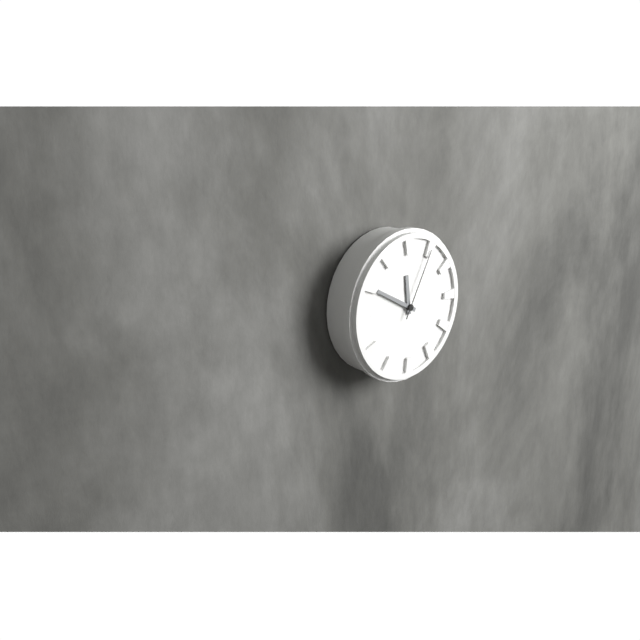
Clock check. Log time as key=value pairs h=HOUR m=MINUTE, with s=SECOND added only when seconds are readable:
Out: h=11 m=50 s=5
